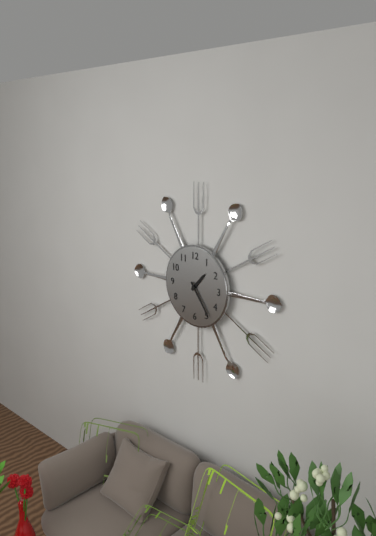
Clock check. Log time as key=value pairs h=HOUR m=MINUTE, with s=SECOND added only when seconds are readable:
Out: h=1 m=24
